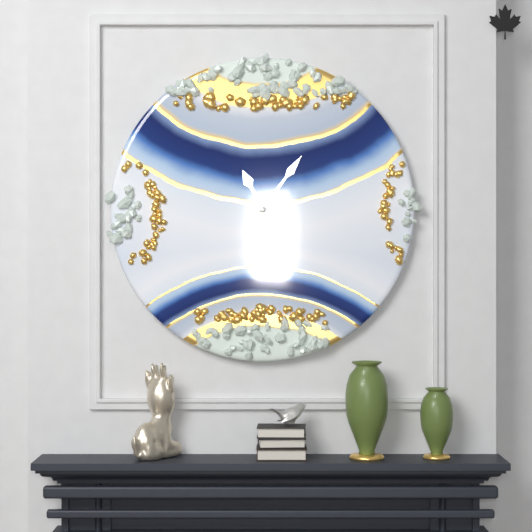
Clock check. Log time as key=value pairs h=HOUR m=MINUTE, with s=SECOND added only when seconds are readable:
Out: h=11 m=6
